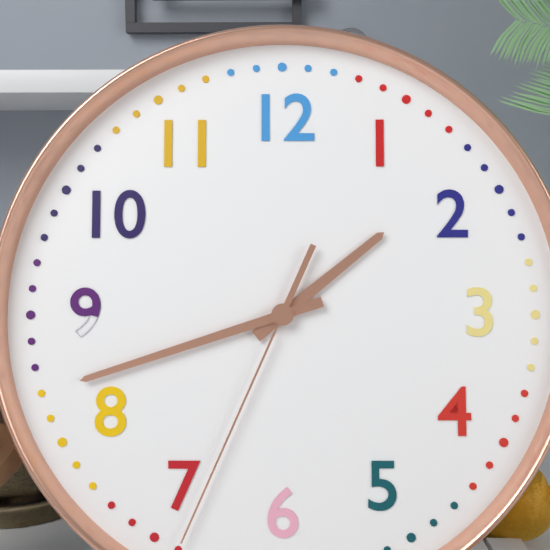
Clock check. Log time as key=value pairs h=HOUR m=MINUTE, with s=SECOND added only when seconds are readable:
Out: h=1 m=42 s=34
